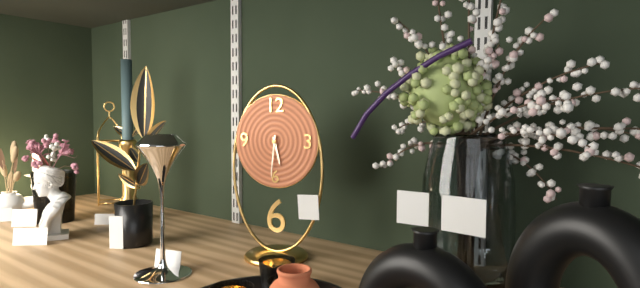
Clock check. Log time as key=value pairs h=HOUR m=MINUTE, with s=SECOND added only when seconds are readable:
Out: h=5 m=31
